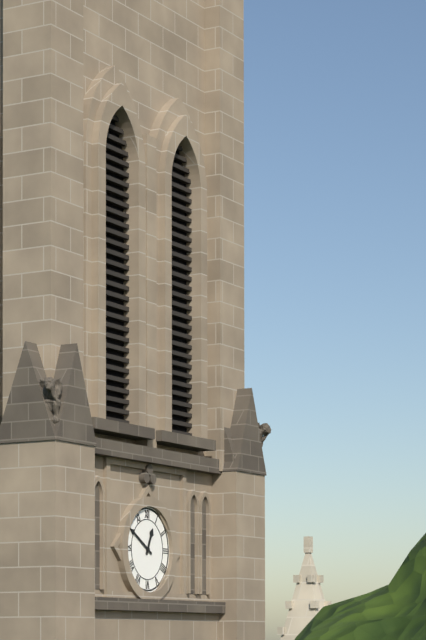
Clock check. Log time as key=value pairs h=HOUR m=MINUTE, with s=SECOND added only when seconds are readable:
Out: h=12 m=50
